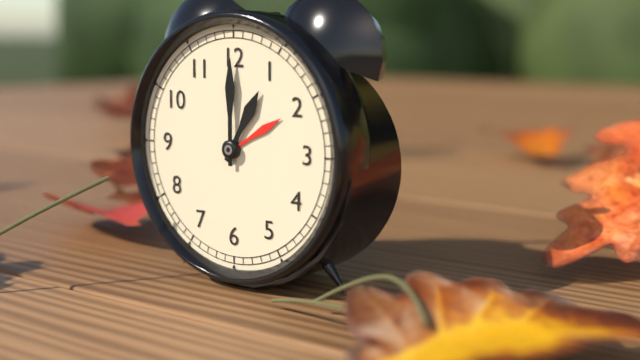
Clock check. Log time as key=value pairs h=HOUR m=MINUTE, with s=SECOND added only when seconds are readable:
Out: h=1 m=0
